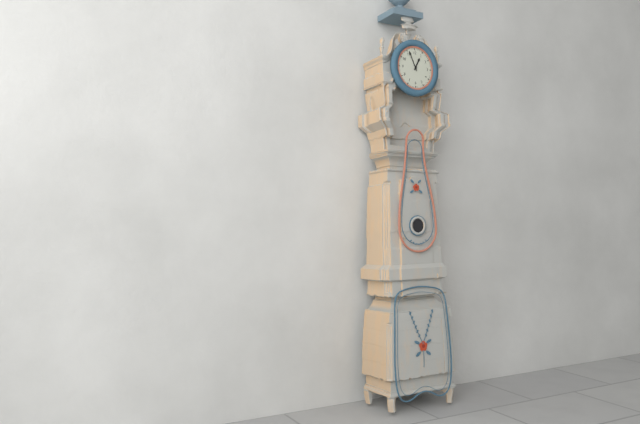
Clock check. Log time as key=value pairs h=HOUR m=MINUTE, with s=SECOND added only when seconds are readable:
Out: h=12 m=56
